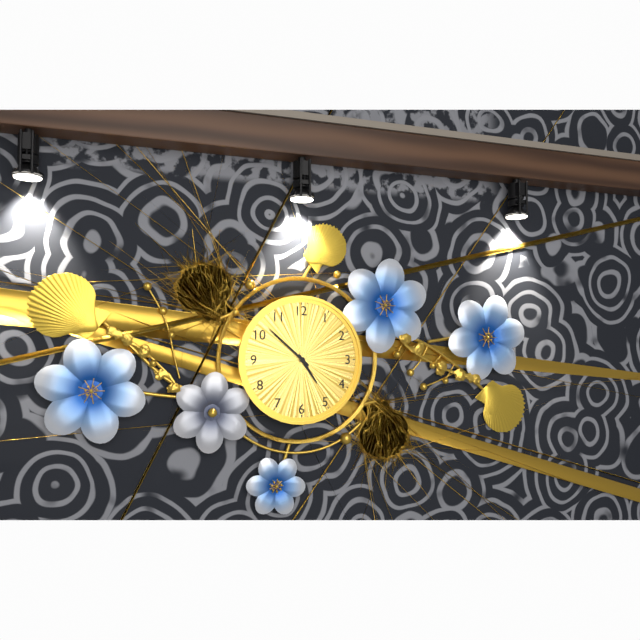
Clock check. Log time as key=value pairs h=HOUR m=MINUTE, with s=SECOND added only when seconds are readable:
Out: h=4 m=52
